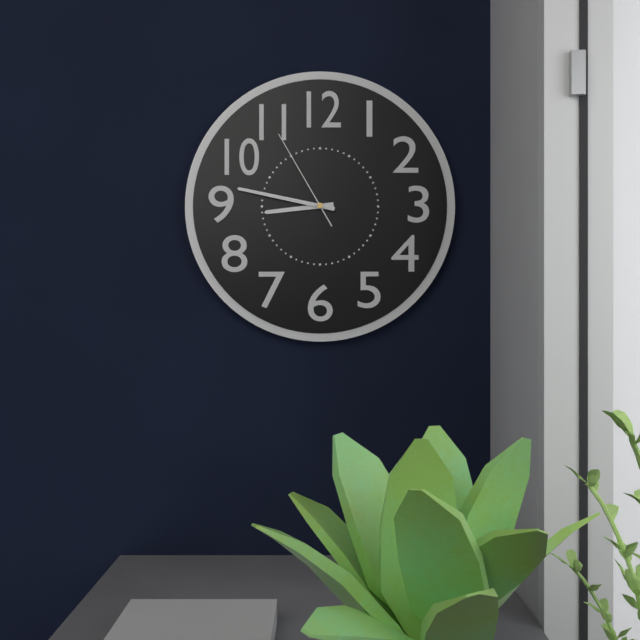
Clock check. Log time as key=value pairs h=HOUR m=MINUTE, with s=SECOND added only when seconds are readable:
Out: h=8 m=47 s=55
